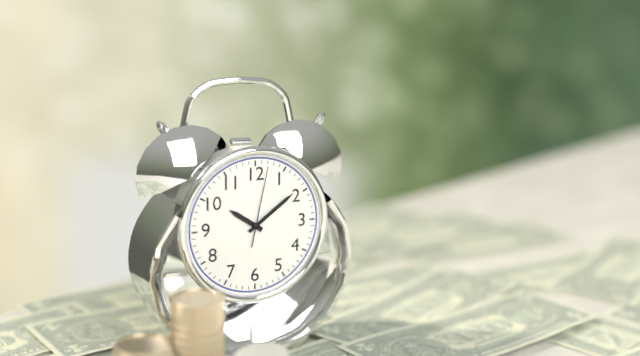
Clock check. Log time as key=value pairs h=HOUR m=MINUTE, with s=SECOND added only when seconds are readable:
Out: h=10 m=9 s=2
